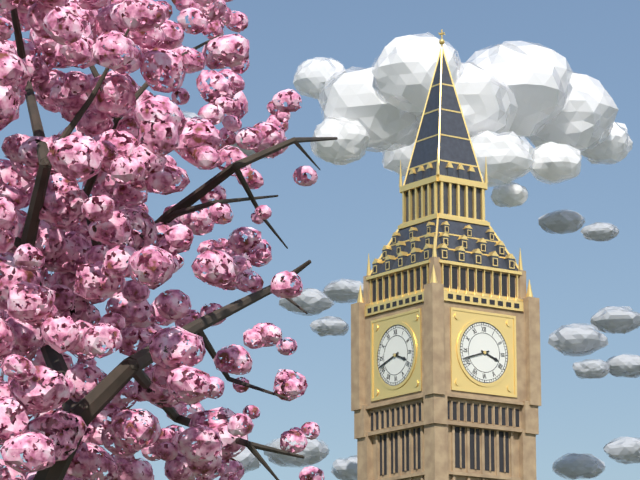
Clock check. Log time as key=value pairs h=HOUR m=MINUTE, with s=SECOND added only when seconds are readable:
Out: h=3 m=42
